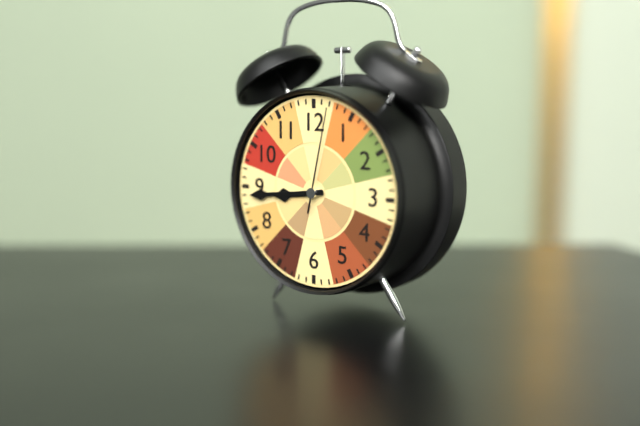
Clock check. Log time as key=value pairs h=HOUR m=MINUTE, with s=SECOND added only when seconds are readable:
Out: h=8 m=44 s=2
